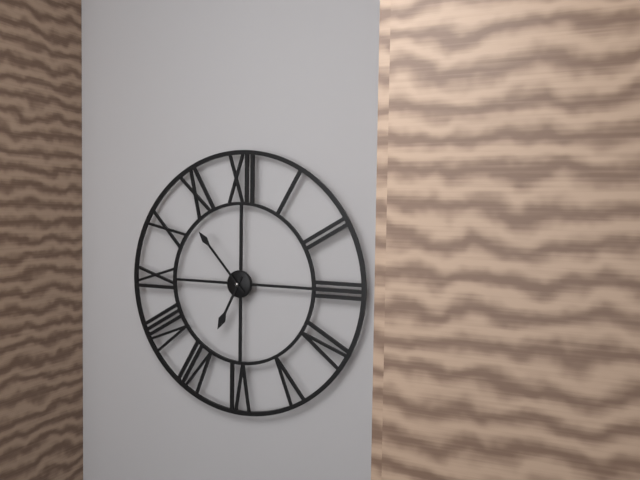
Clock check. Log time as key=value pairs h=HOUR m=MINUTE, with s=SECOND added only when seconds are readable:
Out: h=6 m=53
